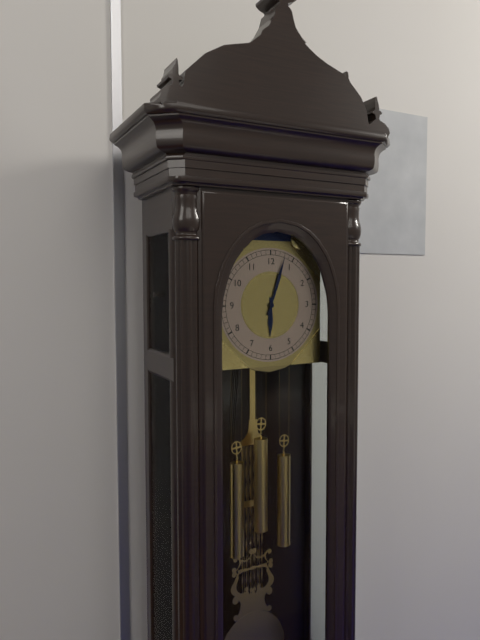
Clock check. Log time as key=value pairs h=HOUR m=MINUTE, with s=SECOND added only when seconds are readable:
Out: h=6 m=3
